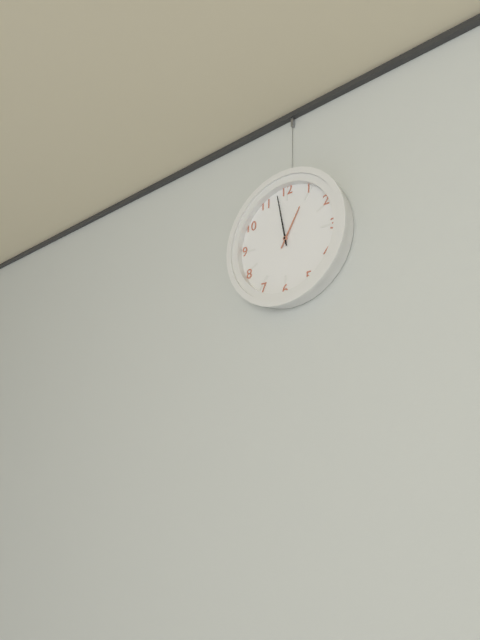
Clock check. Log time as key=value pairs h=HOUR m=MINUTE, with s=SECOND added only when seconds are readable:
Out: h=12 m=58
